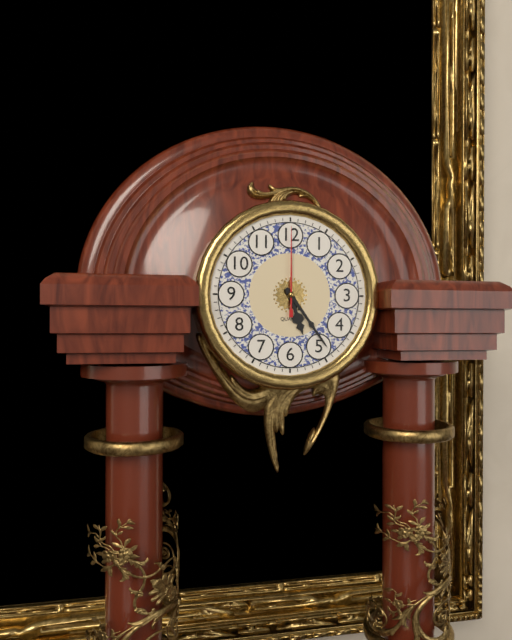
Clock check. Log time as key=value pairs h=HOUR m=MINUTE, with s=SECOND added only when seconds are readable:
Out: h=5 m=24 s=0
